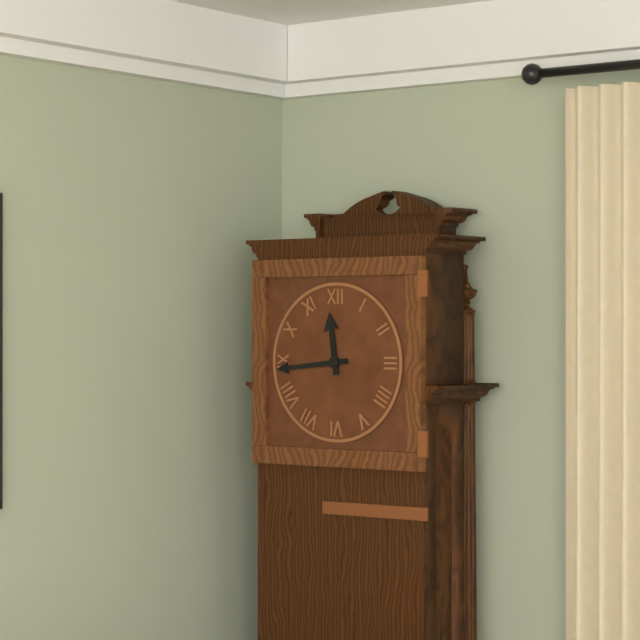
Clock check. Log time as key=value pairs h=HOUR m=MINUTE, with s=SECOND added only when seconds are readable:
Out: h=11 m=44
